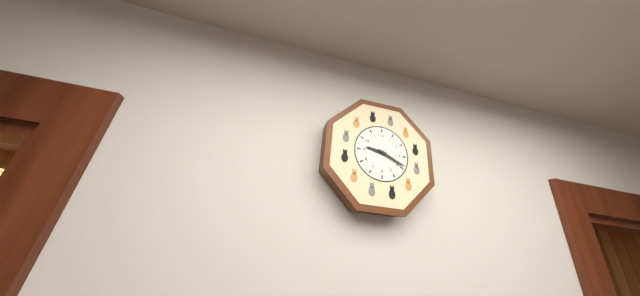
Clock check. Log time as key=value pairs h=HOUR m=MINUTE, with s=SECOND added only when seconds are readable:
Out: h=9 m=19
